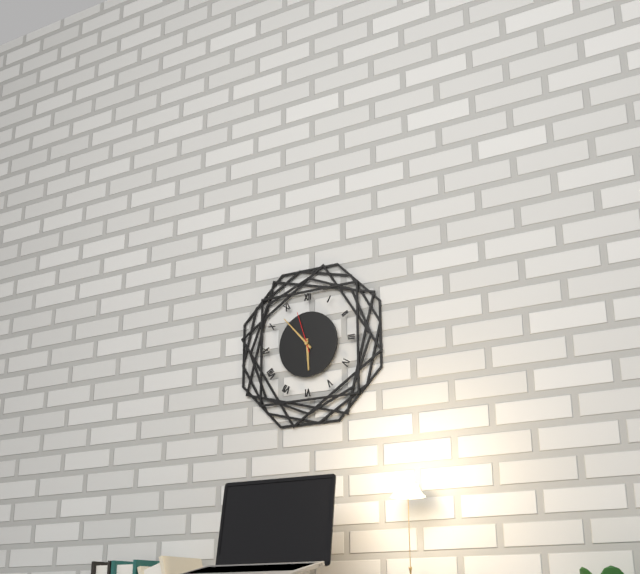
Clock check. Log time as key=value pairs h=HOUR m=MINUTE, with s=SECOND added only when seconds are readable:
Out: h=5 m=53
